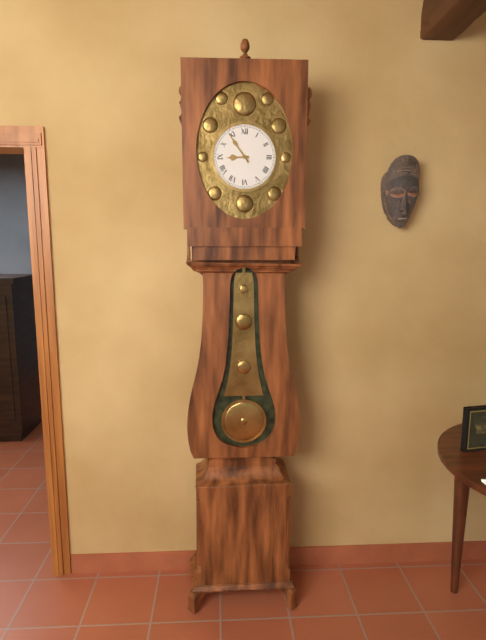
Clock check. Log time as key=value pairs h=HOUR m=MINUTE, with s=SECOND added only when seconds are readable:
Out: h=8 m=54
